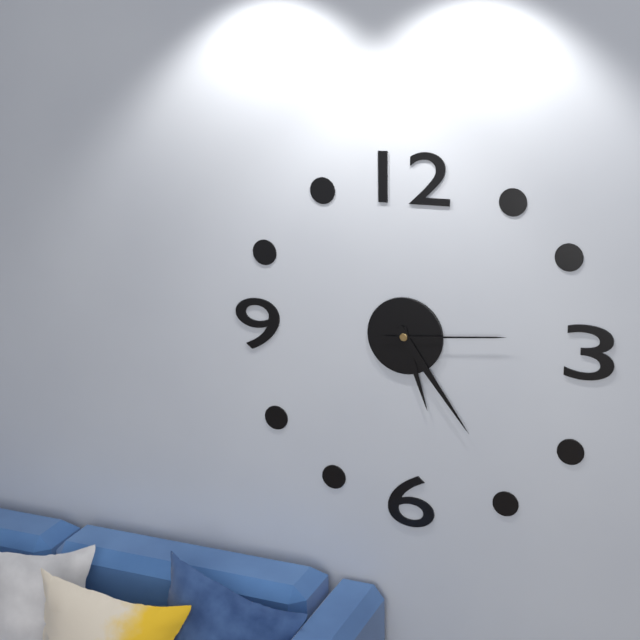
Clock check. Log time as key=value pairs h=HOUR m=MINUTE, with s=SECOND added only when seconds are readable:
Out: h=5 m=24 s=14
